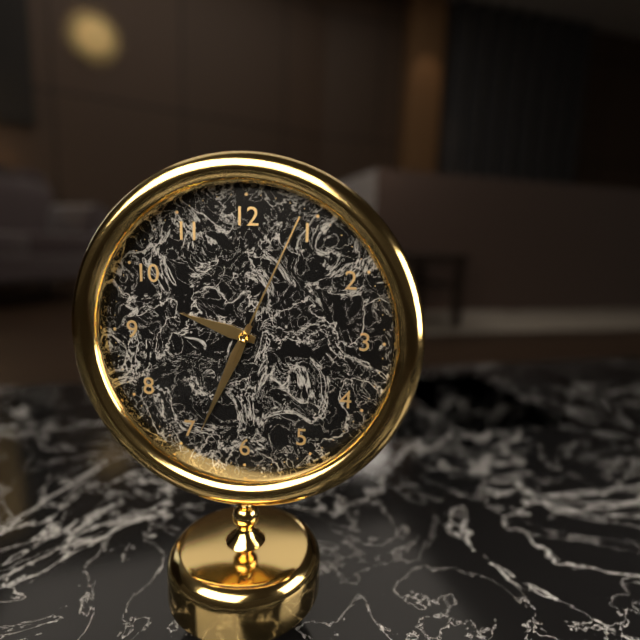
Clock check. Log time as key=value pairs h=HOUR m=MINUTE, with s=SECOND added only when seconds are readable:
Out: h=9 m=34 s=4
